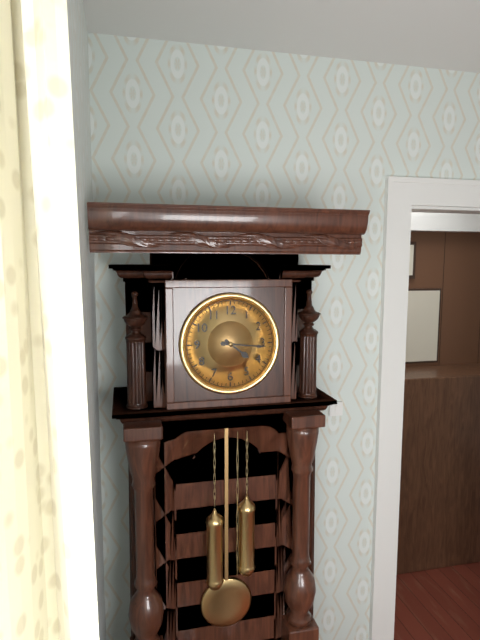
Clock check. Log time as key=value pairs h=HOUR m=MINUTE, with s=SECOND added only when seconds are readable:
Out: h=4 m=16
